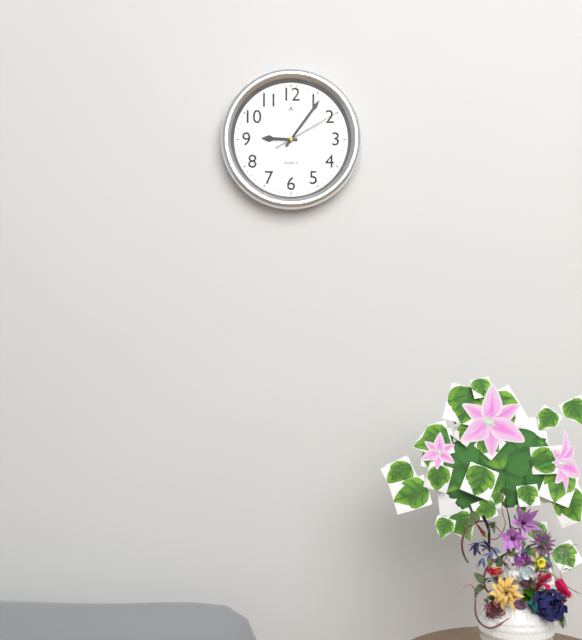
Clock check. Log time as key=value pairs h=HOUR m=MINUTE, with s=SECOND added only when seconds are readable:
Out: h=9 m=6 s=10
